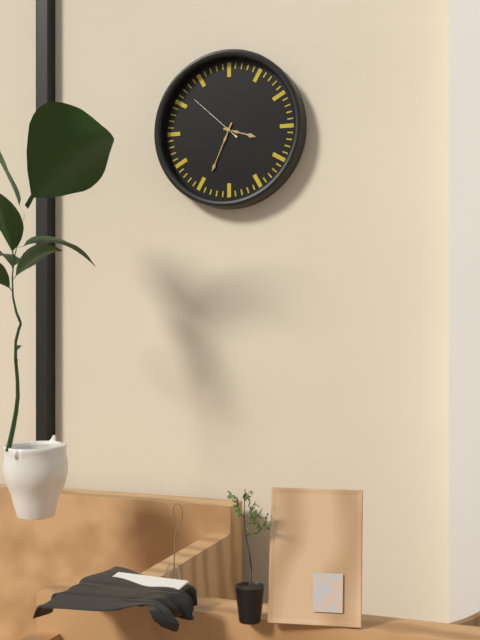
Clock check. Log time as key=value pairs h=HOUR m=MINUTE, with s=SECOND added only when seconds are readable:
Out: h=3 m=34 s=52
